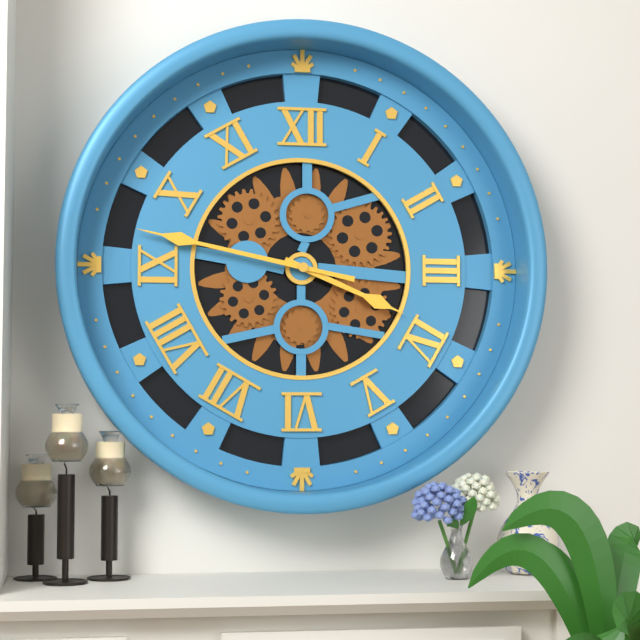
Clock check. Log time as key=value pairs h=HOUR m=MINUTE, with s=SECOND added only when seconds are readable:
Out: h=3 m=47
